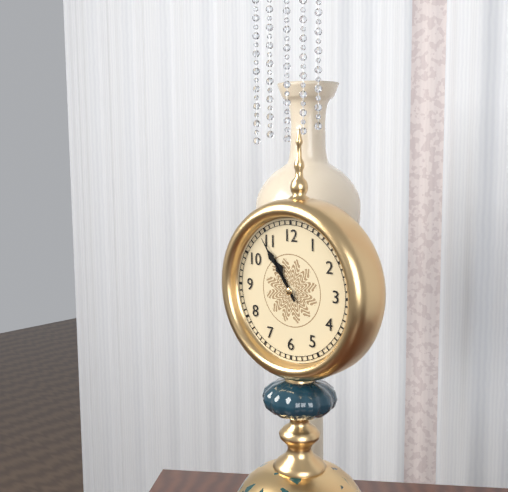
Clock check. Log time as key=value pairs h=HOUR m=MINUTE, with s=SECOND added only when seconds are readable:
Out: h=10 m=54
